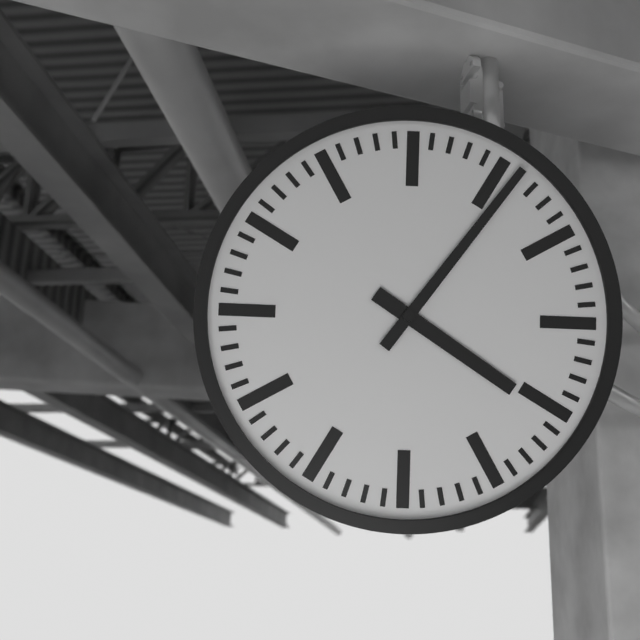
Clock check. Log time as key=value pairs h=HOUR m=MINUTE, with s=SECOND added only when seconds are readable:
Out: h=4 m=6
